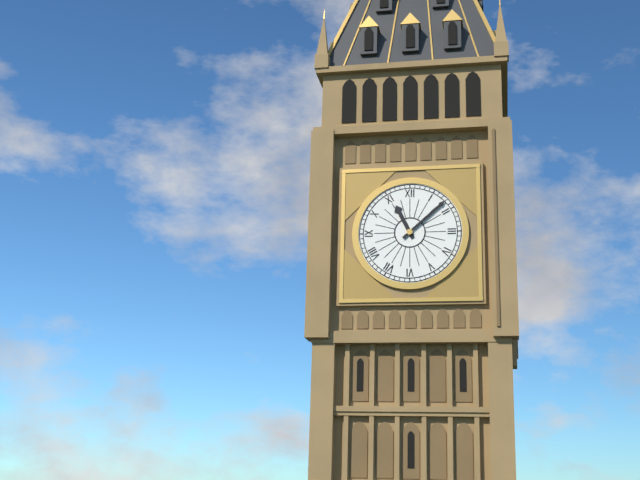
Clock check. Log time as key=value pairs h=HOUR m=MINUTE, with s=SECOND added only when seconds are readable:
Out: h=11 m=8
